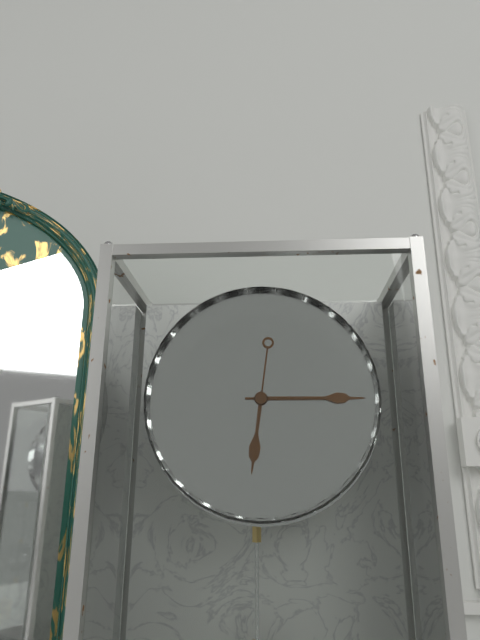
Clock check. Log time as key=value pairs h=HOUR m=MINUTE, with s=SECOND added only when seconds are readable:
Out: h=6 m=15
